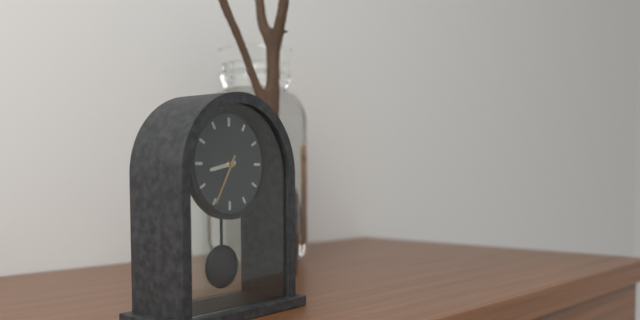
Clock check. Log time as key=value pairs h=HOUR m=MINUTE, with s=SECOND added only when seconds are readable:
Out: h=8 m=35
